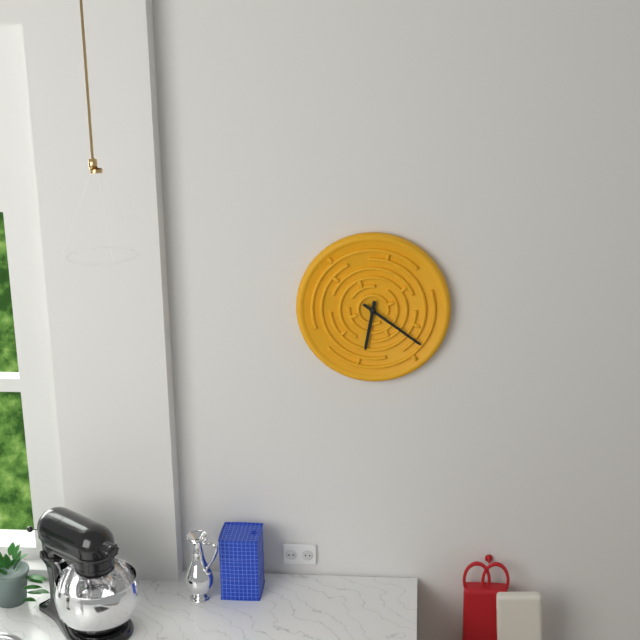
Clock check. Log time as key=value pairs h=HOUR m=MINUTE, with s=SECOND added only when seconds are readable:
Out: h=6 m=21
